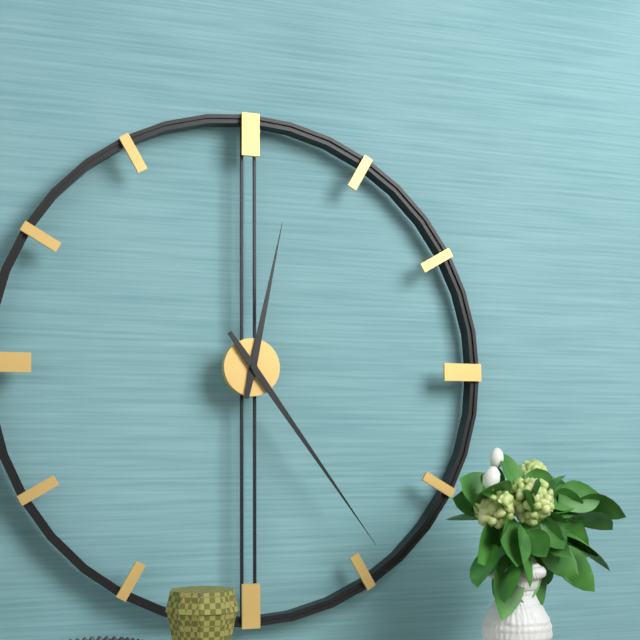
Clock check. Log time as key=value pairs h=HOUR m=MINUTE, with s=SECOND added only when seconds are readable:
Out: h=12 m=24
